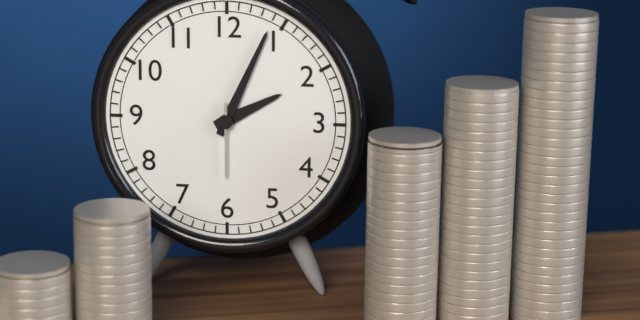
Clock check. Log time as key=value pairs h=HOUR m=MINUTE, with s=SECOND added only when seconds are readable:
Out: h=2 m=4 s=30
